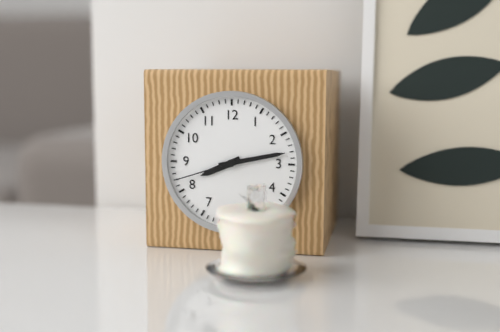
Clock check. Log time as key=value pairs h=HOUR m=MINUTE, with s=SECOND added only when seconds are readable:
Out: h=8 m=13 s=42
